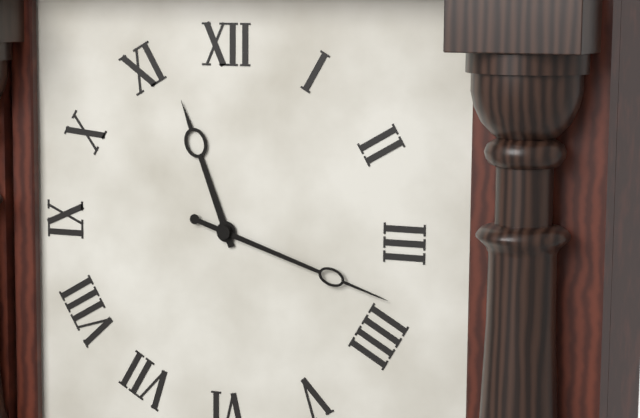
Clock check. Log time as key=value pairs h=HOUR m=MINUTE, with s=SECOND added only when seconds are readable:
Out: h=11 m=18
